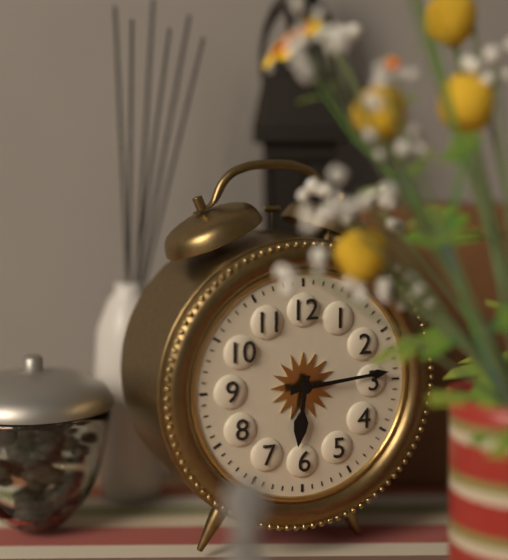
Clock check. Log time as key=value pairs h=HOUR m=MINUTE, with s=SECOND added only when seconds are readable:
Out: h=6 m=14
